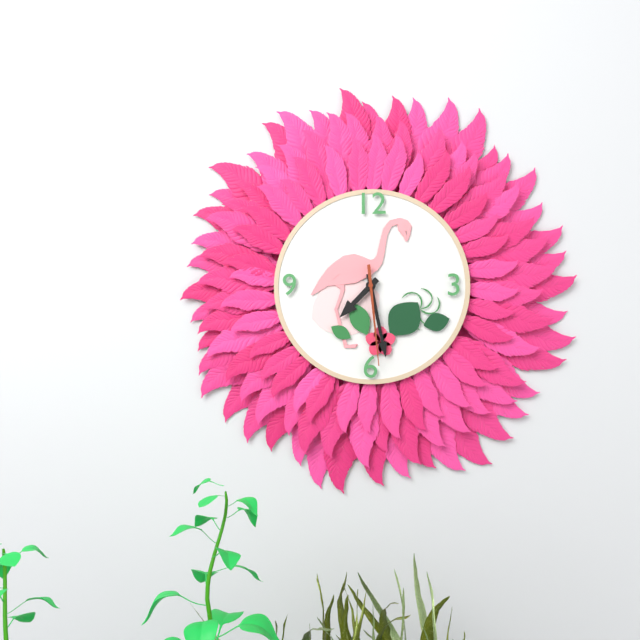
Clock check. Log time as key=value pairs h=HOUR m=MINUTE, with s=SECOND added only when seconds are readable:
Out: h=7 m=28 s=29
